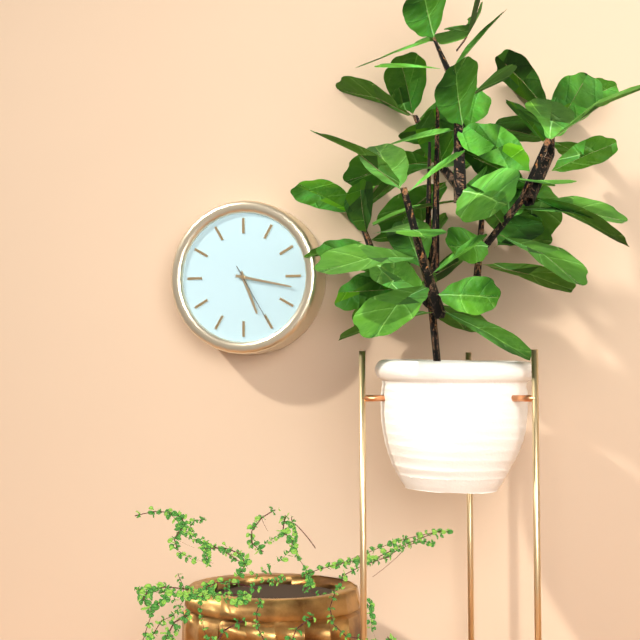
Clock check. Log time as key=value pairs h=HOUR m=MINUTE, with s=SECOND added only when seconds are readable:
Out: h=5 m=17 s=25
